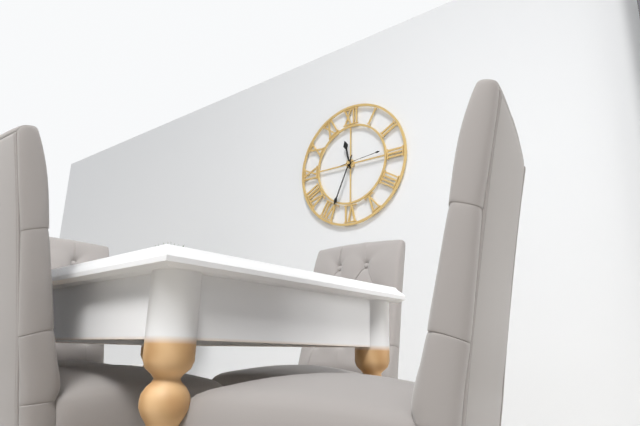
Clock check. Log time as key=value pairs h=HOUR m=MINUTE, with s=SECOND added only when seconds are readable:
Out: h=11 m=34
